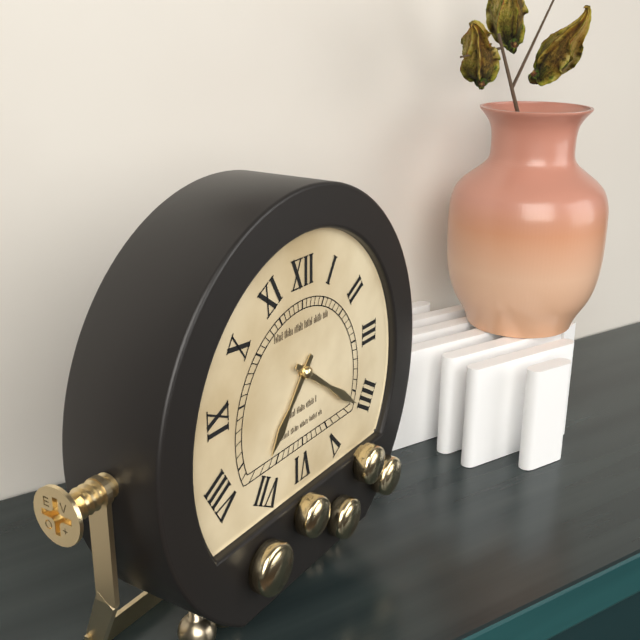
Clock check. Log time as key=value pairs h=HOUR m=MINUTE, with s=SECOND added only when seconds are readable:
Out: h=7 m=21
